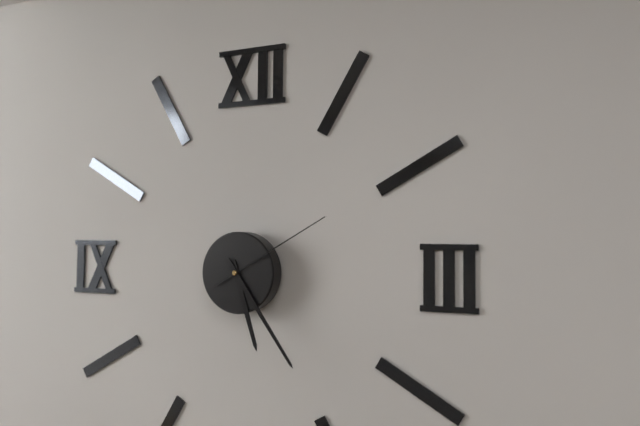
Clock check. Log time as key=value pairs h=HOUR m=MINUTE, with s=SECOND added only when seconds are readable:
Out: h=5 m=24 s=10
